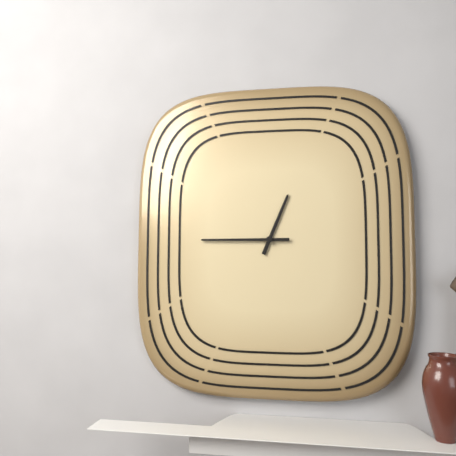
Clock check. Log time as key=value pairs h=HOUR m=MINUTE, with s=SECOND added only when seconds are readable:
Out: h=12 m=45
